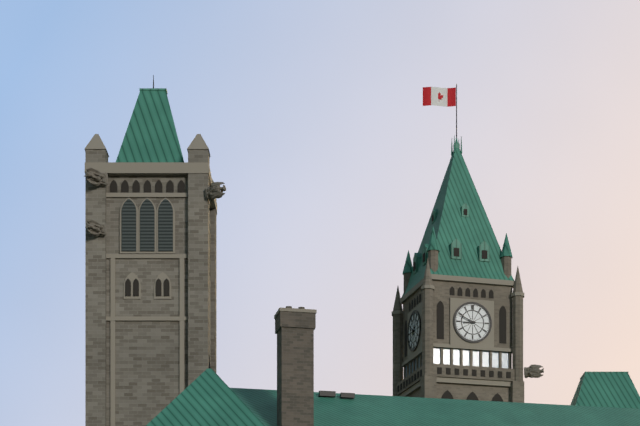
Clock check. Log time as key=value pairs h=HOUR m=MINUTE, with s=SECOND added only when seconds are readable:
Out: h=8 m=49
